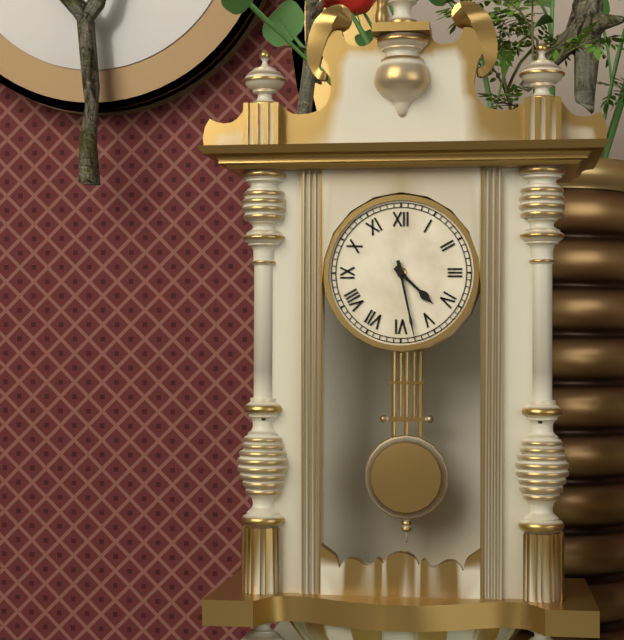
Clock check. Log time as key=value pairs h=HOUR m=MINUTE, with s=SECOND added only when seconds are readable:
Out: h=4 m=28
